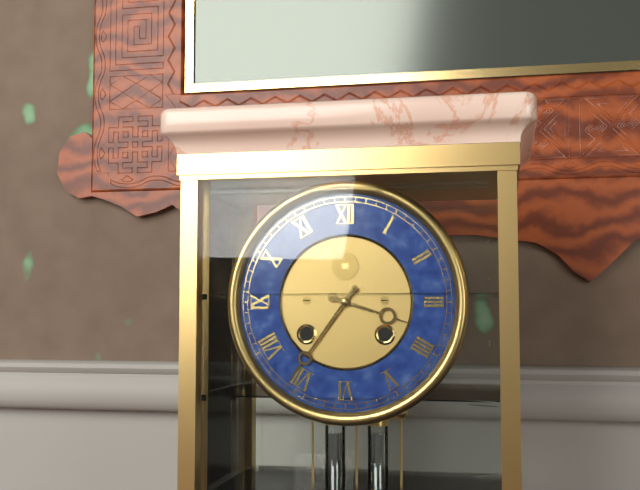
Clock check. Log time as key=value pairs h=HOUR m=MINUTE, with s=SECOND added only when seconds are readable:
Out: h=3 m=36
